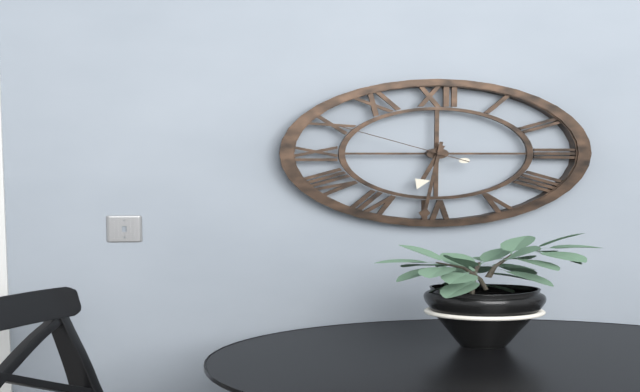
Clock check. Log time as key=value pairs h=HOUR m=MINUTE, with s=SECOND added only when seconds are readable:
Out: h=6 m=31 s=50
